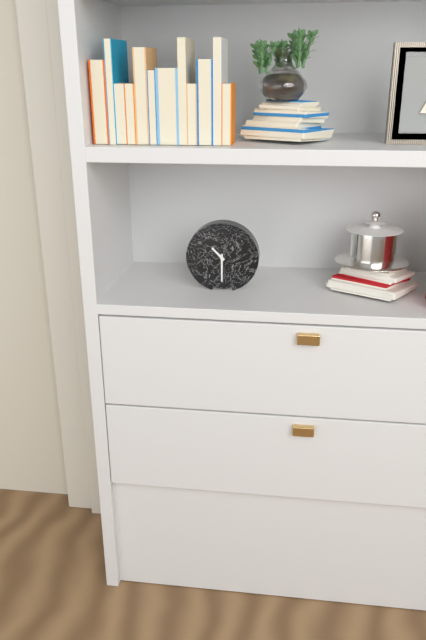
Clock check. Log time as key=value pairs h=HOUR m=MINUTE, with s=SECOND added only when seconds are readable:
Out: h=10 m=30
